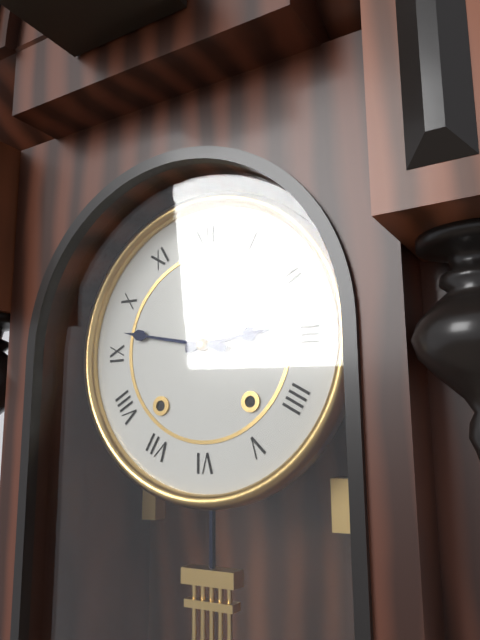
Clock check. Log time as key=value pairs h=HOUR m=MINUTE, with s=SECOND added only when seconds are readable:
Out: h=2 m=47
